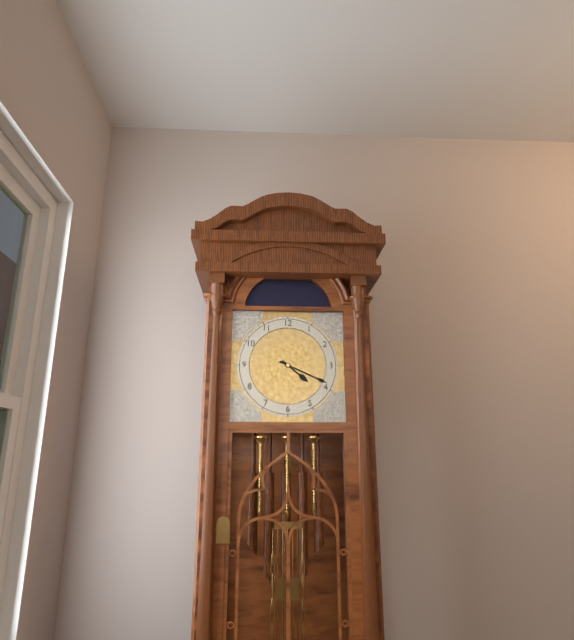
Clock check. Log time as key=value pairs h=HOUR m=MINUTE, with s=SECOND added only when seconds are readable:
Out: h=4 m=19
